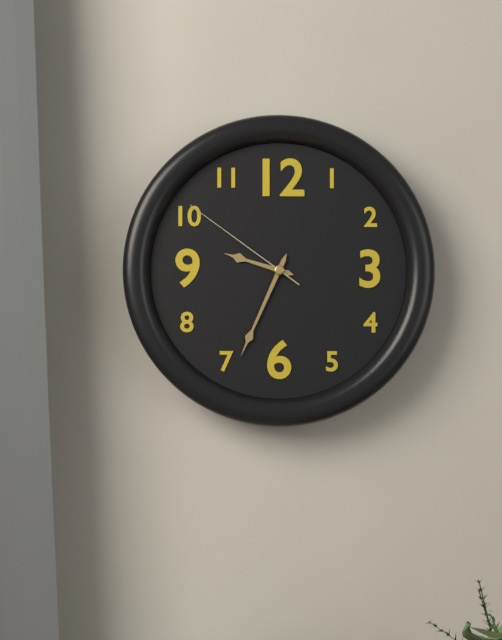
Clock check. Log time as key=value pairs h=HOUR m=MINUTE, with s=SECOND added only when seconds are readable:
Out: h=9 m=34 s=51
